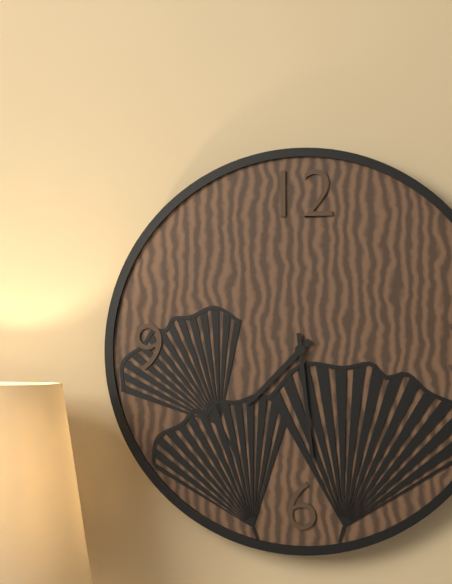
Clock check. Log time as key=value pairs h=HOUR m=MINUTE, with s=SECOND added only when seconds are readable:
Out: h=7 m=29
